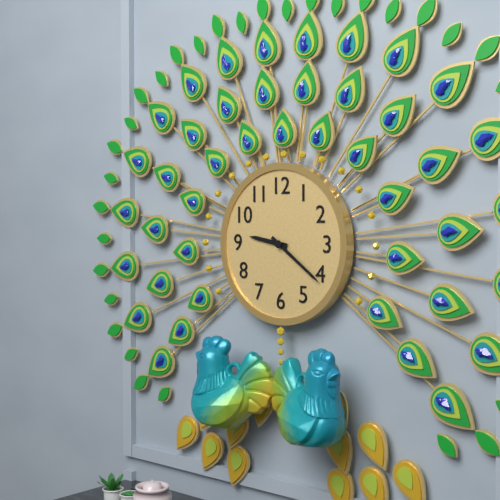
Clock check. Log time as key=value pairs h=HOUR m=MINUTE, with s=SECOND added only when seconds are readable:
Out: h=9 m=21
